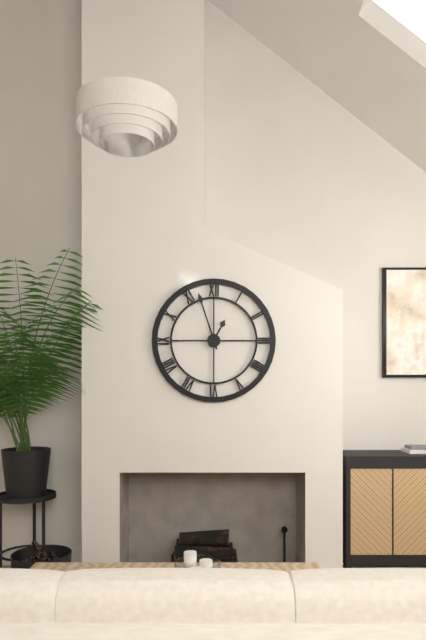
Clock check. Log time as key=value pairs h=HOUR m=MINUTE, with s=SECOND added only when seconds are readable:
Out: h=12 m=57
